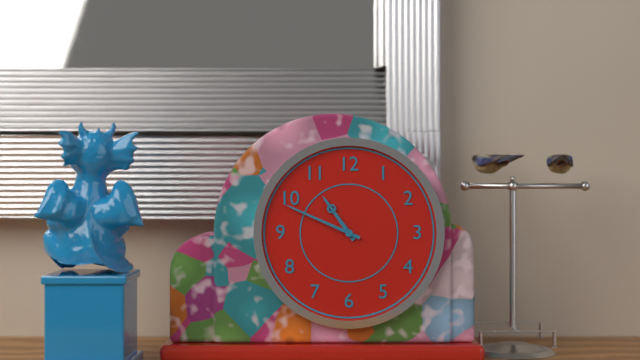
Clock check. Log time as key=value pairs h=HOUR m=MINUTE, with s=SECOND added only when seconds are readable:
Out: h=10 m=49
